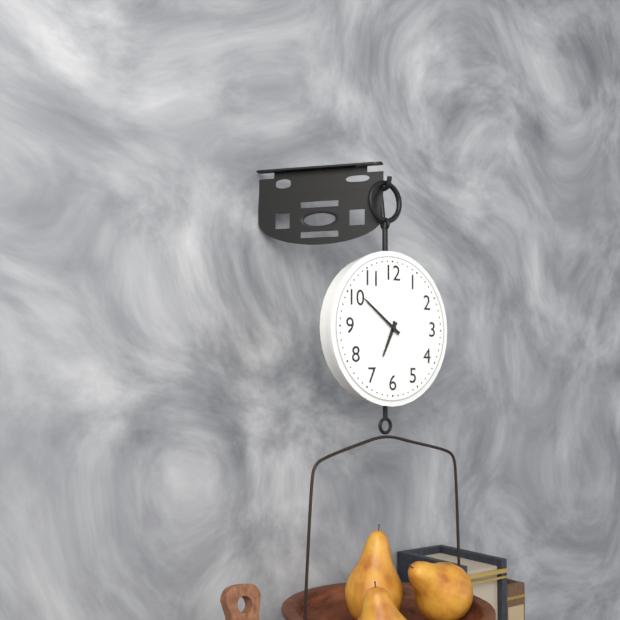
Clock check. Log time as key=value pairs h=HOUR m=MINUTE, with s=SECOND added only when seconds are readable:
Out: h=6 m=51
